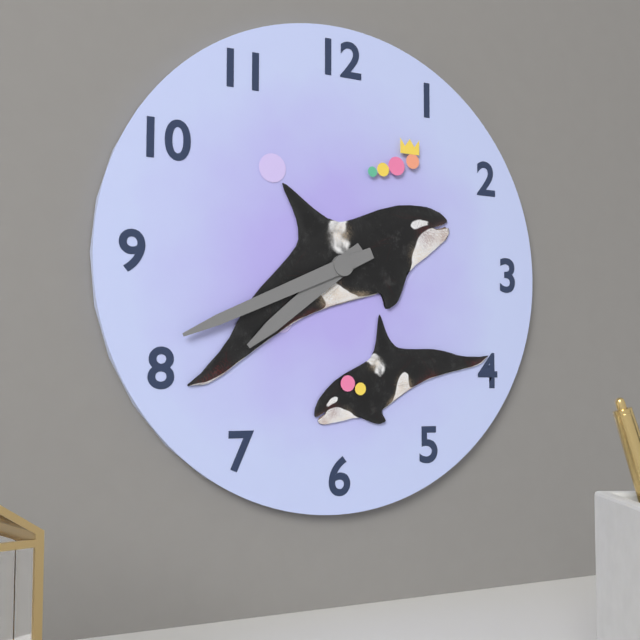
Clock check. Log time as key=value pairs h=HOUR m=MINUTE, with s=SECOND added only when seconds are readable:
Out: h=7 m=41
